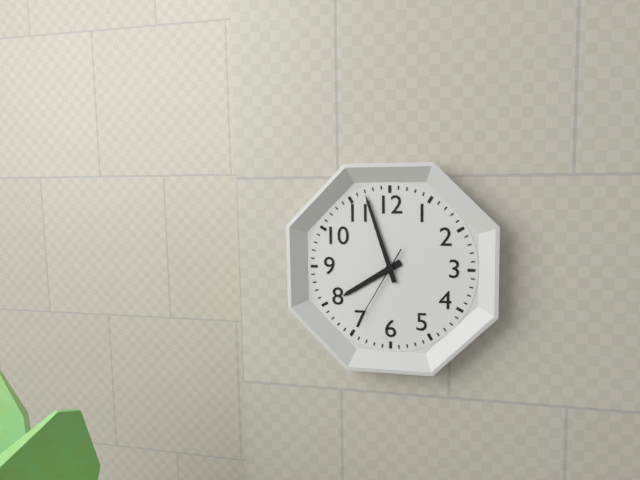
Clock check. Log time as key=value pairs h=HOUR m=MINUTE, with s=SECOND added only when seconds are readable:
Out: h=7 m=57 s=35
